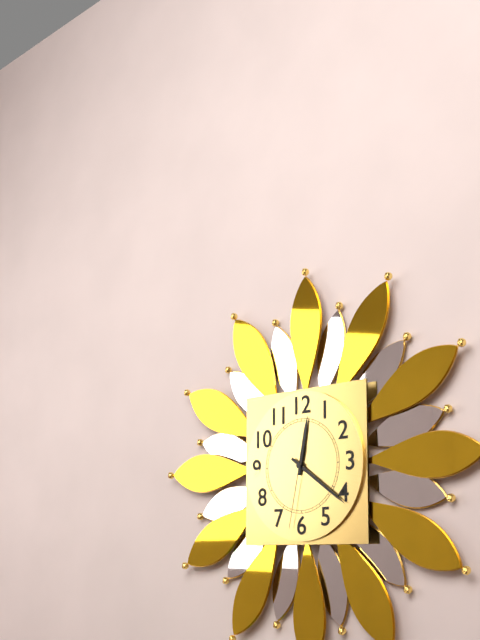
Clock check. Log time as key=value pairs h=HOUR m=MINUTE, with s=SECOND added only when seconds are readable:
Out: h=12 m=21 s=32
